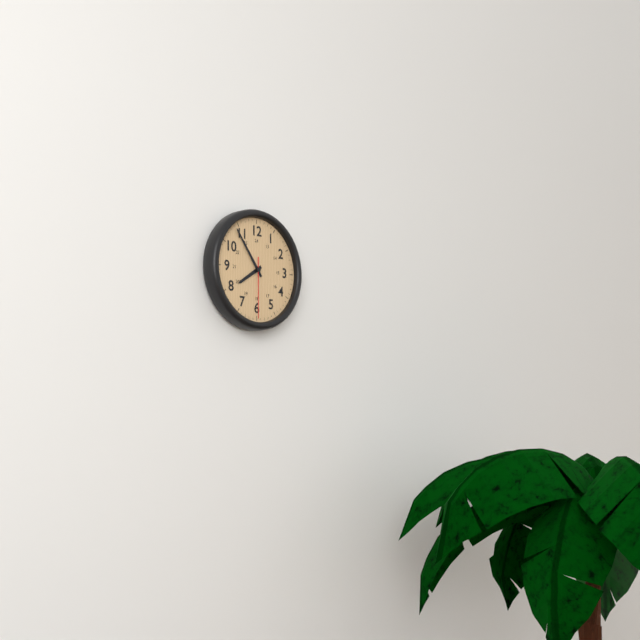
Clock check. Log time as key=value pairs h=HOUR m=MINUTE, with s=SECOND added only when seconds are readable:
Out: h=7 m=54 s=30
